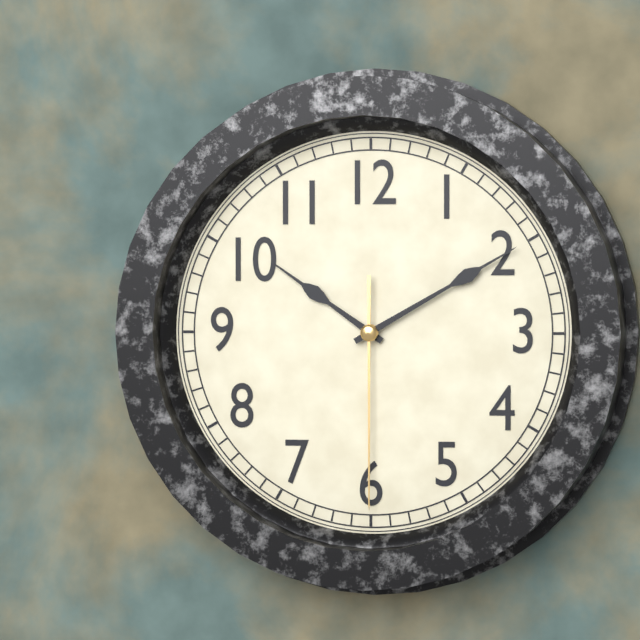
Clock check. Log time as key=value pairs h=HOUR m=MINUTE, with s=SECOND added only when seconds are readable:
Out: h=10 m=10 s=30
